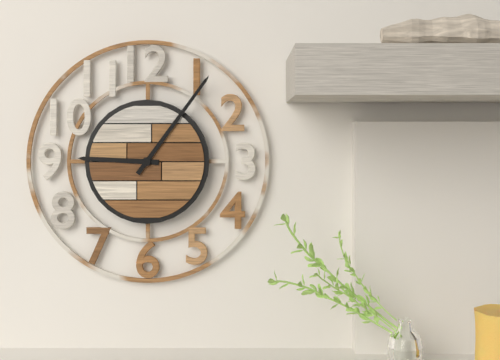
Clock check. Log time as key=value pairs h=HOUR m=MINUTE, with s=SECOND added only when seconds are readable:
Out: h=9 m=6
